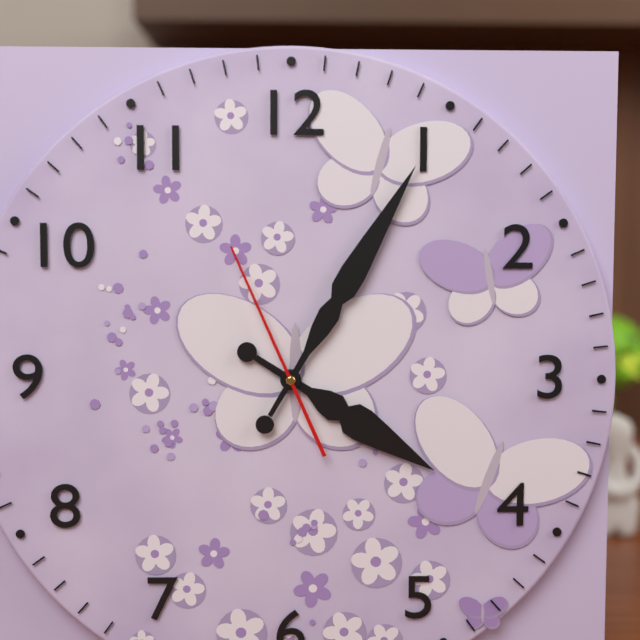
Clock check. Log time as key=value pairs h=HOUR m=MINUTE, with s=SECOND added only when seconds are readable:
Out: h=4 m=5 s=56
